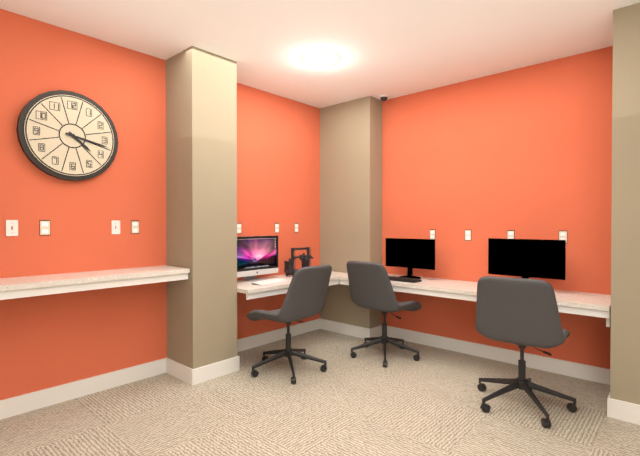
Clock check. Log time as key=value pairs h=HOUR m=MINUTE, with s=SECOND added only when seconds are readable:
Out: h=4 m=17
